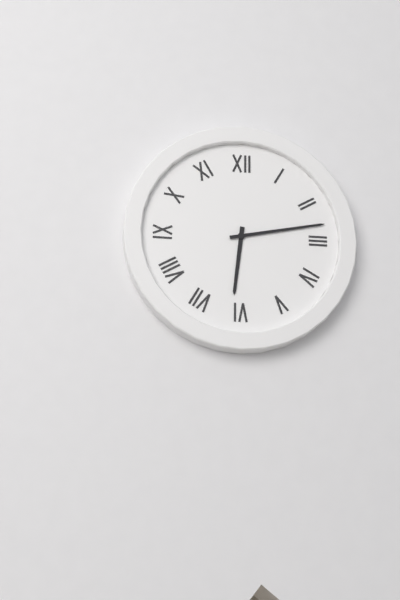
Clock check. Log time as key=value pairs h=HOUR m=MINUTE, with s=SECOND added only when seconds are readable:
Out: h=6 m=13
